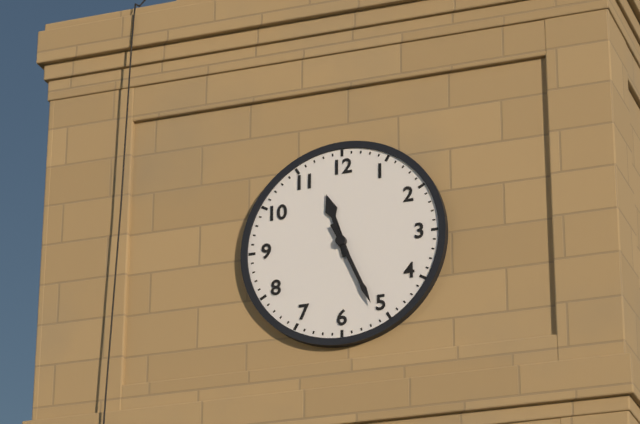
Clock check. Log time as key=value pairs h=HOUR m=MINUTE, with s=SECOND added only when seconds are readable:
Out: h=11 m=26
